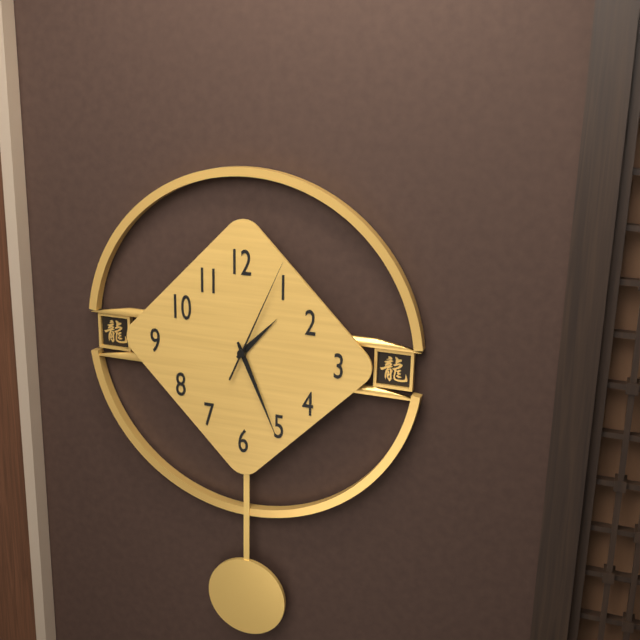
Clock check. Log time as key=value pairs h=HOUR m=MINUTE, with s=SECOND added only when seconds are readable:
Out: h=1 m=26 s=4
